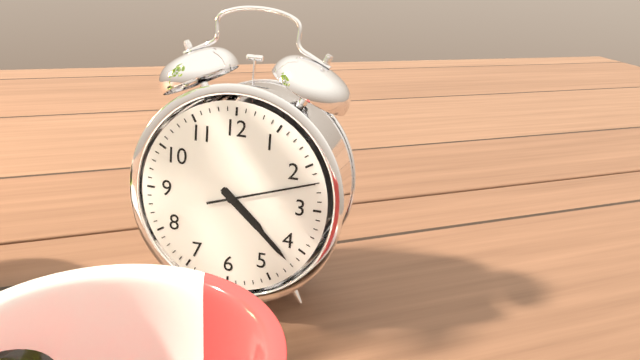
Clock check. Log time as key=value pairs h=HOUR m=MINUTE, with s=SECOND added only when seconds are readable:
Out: h=4 m=22 s=12
